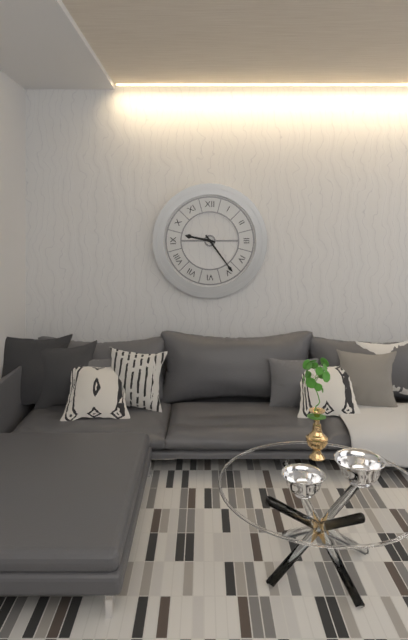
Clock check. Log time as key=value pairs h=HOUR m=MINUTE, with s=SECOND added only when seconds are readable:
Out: h=9 m=24
